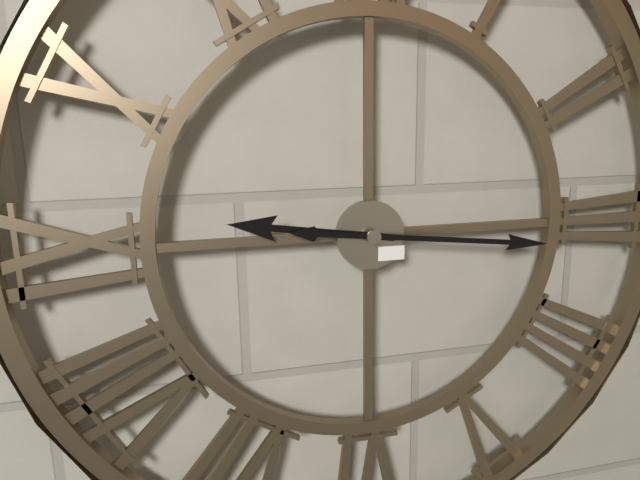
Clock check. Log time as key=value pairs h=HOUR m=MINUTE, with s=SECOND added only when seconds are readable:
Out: h=9 m=16
